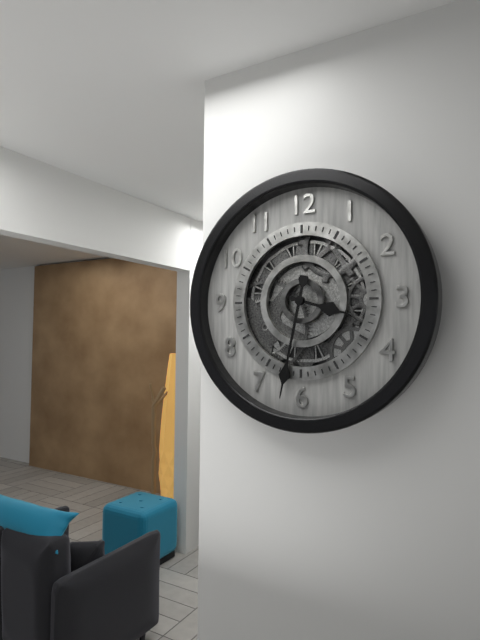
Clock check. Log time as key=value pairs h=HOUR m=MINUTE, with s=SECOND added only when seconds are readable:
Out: h=3 m=32
